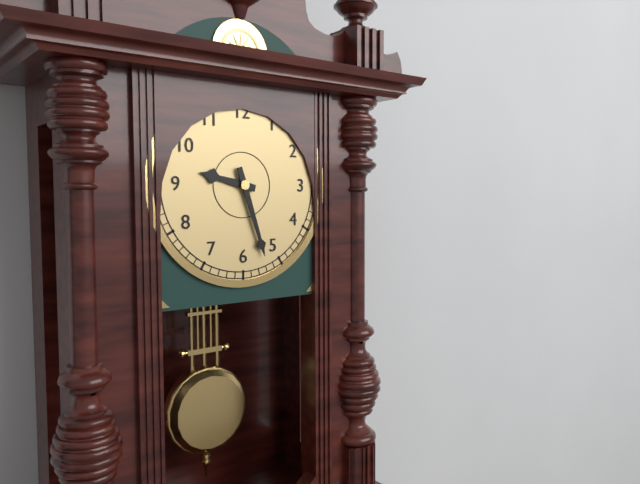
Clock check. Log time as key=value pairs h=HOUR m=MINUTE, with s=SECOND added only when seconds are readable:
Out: h=9 m=27
